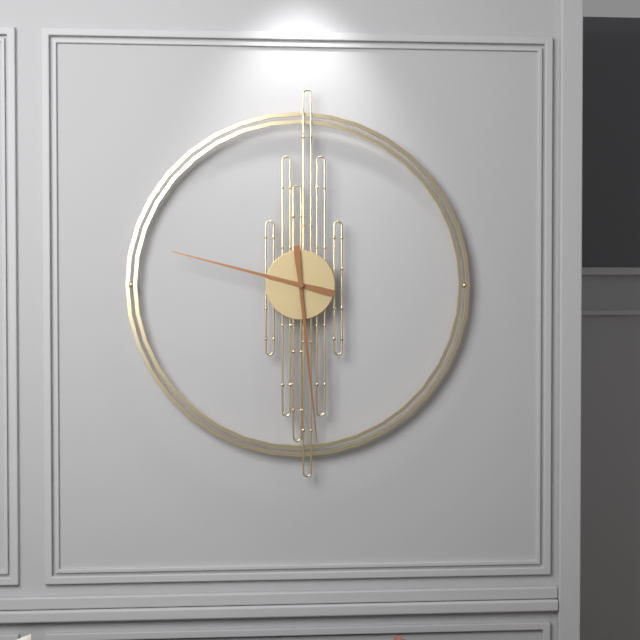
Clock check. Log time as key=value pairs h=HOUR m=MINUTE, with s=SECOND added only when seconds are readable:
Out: h=9 m=29
